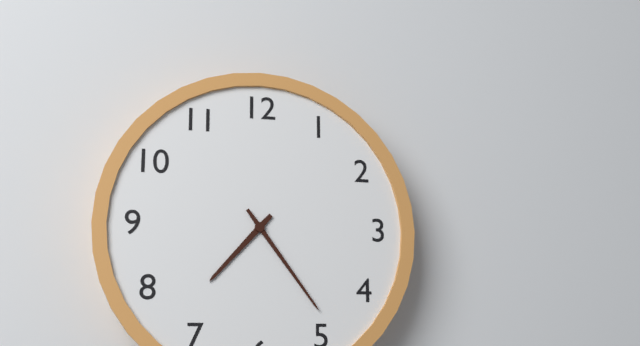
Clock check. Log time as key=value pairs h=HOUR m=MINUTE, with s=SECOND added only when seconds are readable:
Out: h=7 m=24
